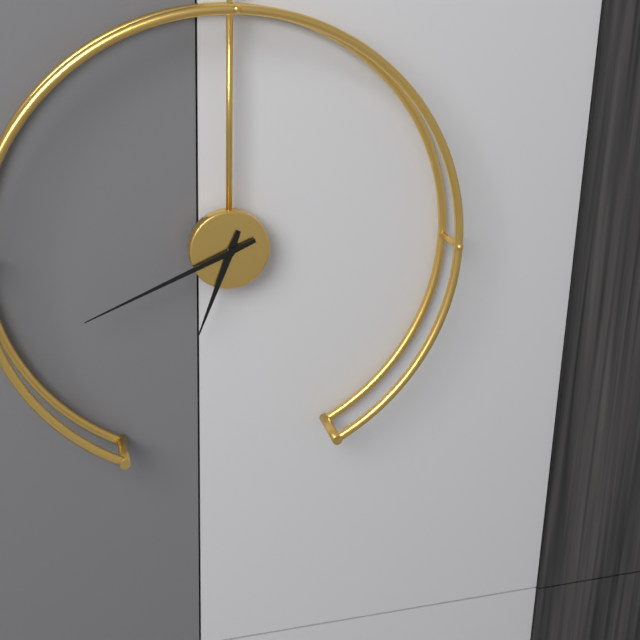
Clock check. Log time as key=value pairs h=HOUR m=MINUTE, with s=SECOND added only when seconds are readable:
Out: h=6 m=41
